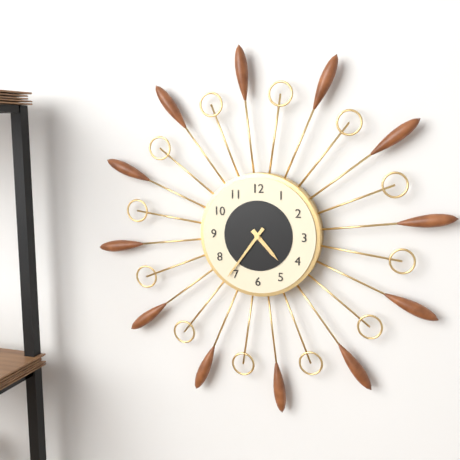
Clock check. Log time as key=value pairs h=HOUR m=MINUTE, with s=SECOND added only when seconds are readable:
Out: h=4 m=36
